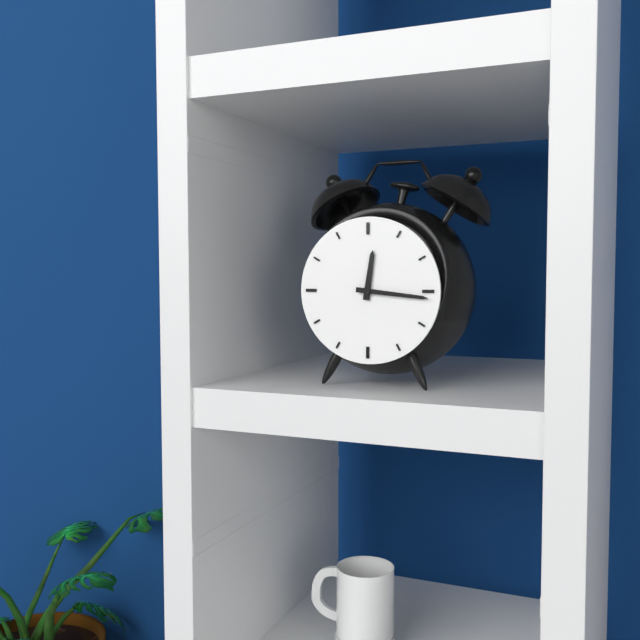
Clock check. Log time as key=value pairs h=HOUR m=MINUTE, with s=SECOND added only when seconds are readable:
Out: h=12 m=16
